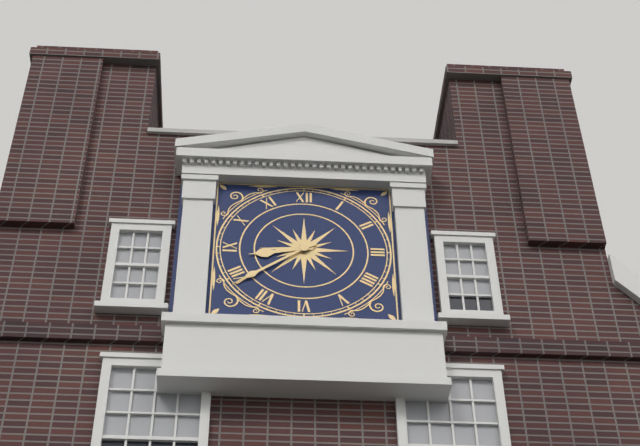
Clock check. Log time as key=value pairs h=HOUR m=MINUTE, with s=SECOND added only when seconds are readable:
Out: h=8 m=39
